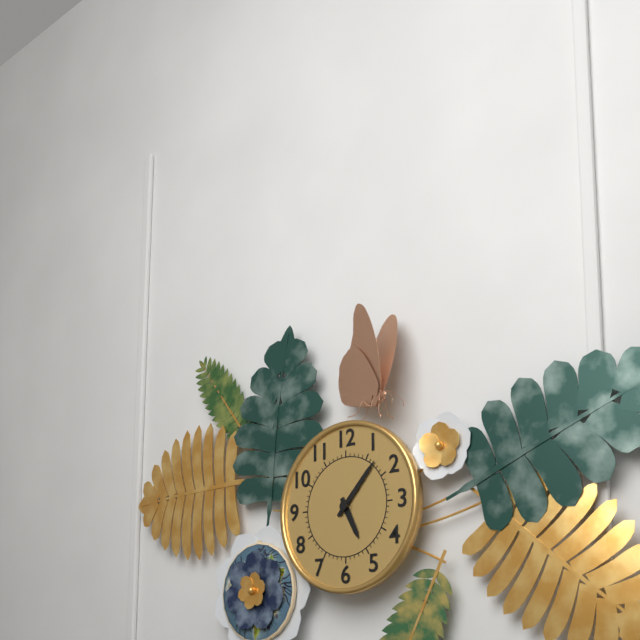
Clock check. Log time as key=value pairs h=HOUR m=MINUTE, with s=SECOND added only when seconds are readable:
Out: h=5 m=7
